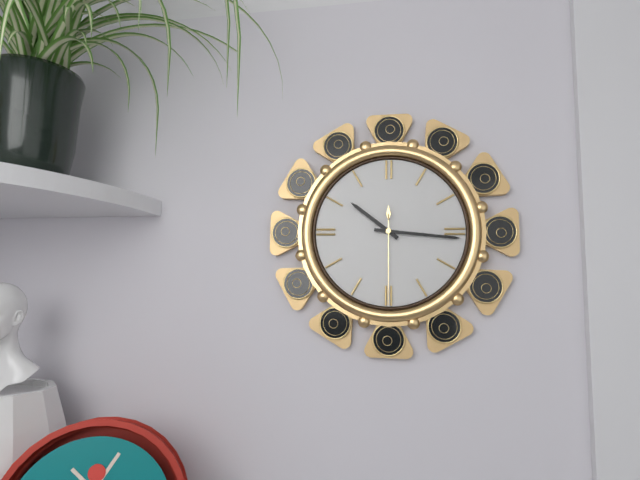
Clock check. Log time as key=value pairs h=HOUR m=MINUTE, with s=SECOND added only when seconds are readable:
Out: h=10 m=16 s=30
